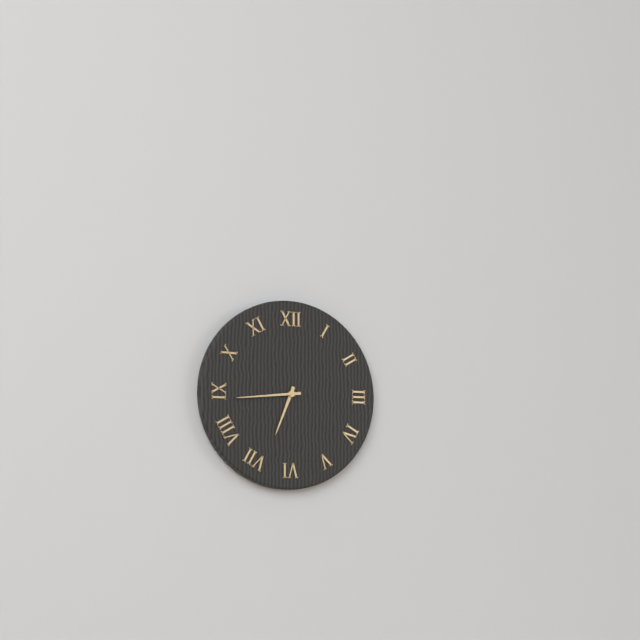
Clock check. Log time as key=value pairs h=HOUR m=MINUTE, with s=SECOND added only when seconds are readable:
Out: h=6 m=44
